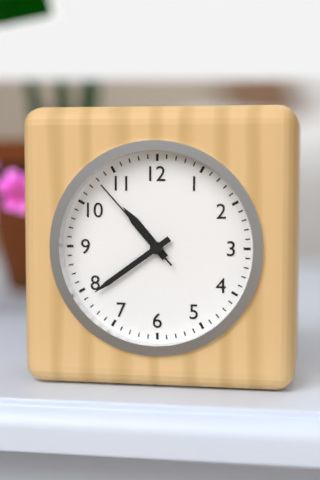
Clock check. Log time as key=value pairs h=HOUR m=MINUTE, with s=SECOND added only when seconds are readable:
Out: h=10 m=39 s=53
